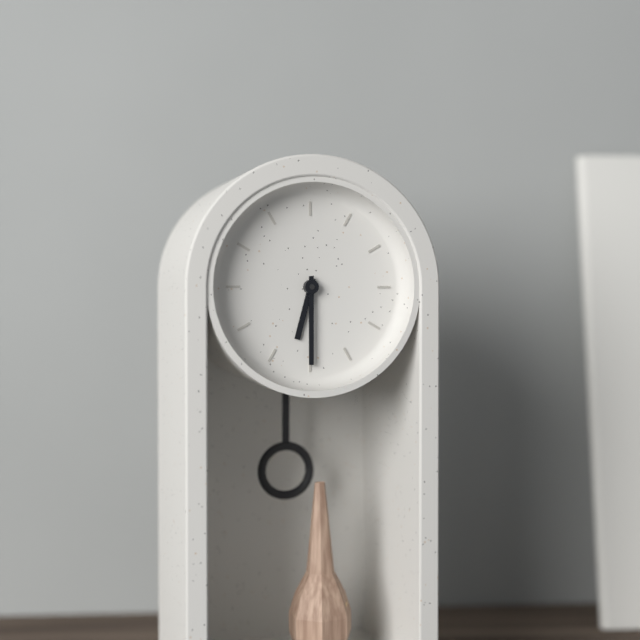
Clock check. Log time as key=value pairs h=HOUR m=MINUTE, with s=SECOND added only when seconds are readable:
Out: h=6 m=30
